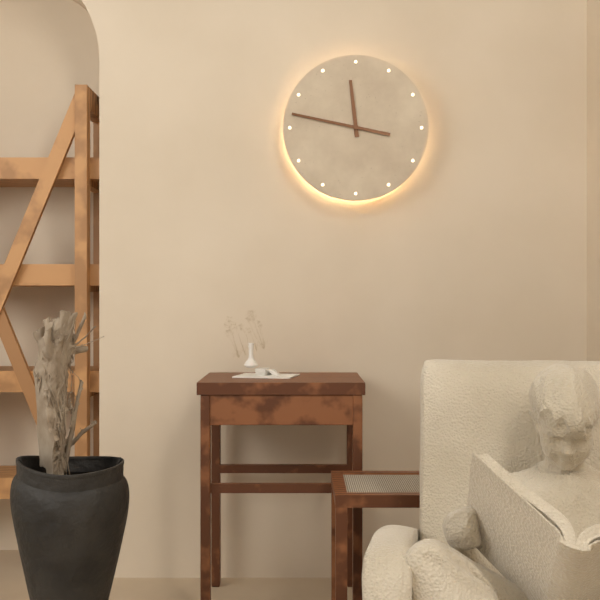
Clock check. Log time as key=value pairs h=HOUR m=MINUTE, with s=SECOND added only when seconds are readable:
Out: h=11 m=47
